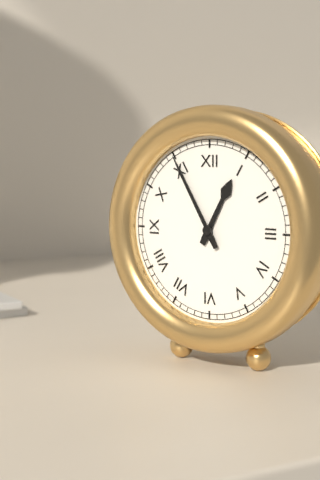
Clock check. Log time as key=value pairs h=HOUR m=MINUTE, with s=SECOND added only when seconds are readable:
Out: h=12 m=55
